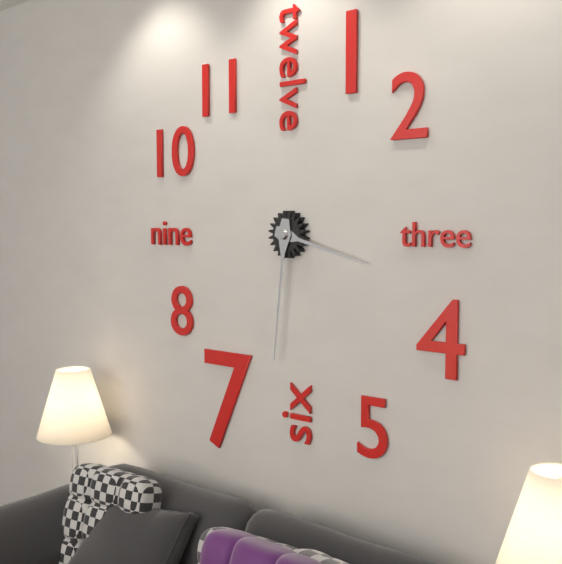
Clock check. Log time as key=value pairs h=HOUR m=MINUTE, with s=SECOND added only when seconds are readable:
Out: h=3 m=31
